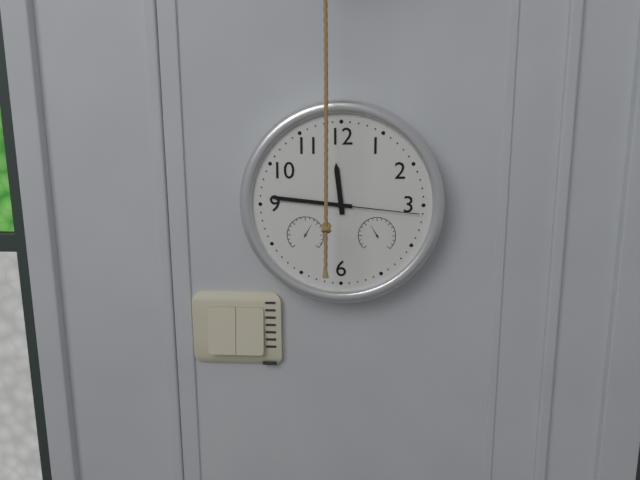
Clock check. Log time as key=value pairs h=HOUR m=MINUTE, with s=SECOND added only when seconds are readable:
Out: h=11 m=46 s=16
